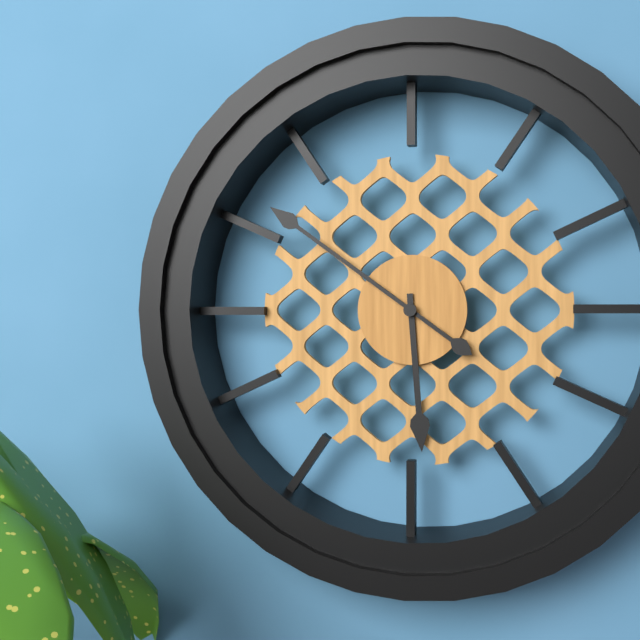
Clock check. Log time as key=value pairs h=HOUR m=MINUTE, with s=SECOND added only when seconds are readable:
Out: h=5 m=51
